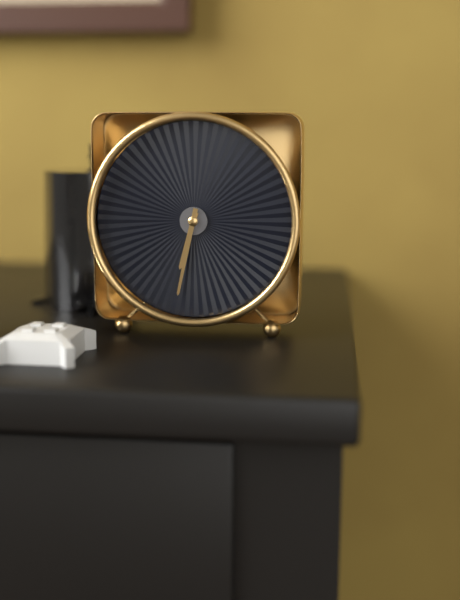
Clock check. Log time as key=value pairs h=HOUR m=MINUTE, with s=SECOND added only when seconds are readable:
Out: h=6 m=32
